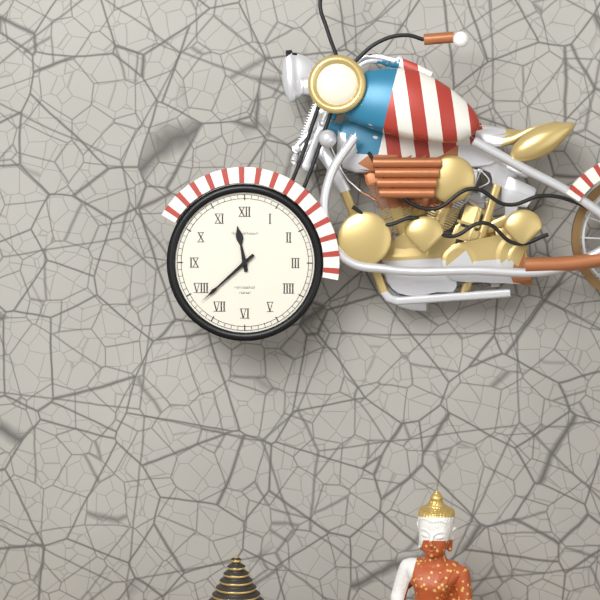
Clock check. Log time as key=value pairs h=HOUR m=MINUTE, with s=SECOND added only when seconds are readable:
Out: h=11 m=38
